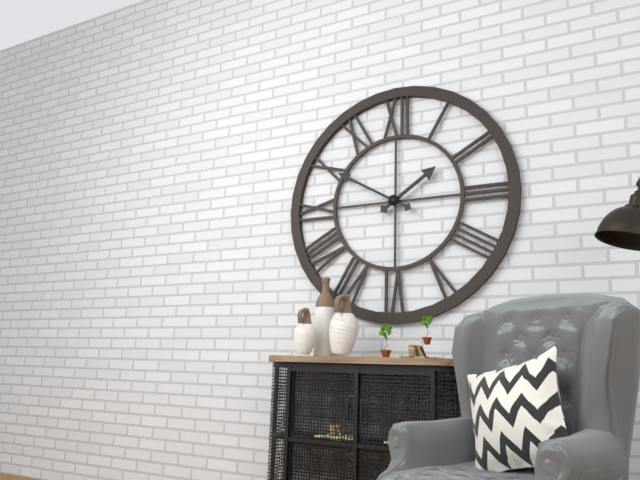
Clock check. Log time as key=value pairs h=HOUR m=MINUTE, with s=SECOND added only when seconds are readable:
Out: h=1 m=50
